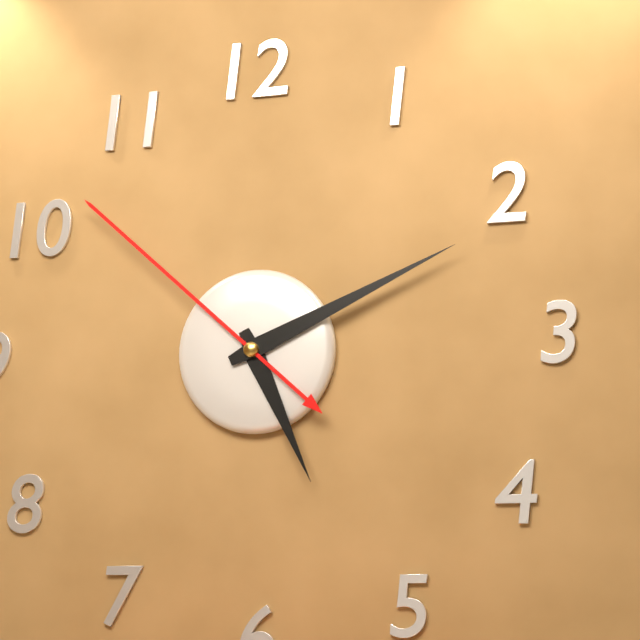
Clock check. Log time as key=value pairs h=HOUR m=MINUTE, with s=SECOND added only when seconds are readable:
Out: h=5 m=11 s=52
